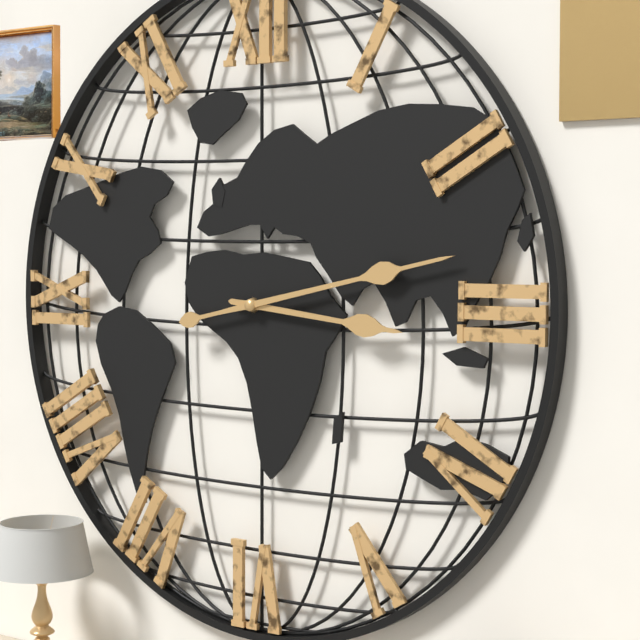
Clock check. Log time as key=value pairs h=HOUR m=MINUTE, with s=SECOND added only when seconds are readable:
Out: h=3 m=13
